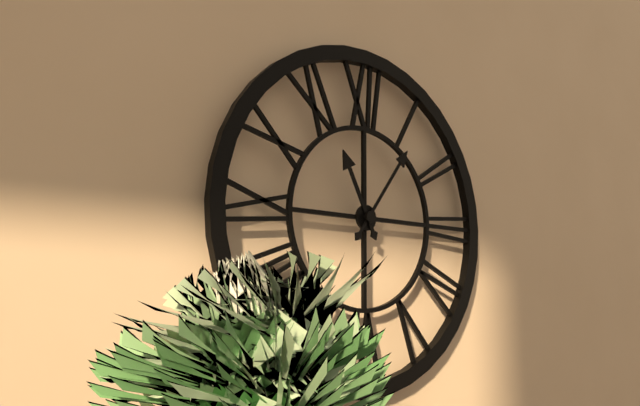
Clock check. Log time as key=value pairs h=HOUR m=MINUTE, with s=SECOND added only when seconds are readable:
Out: h=11 m=6
